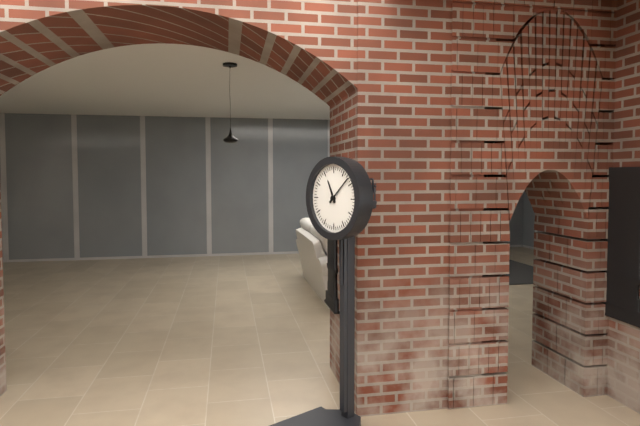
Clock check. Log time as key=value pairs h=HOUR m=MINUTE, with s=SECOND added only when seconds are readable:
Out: h=11 m=8
